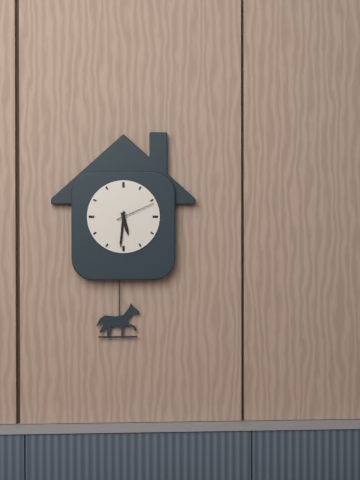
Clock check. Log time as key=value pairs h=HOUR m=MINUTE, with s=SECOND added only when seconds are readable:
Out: h=5 m=31
